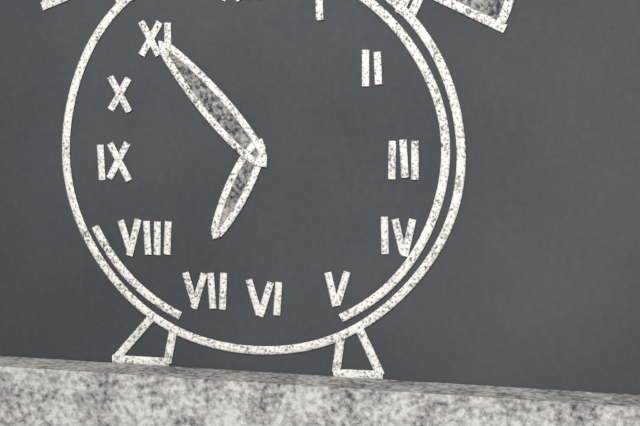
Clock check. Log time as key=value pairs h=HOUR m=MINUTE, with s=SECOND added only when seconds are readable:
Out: h=6 m=53
